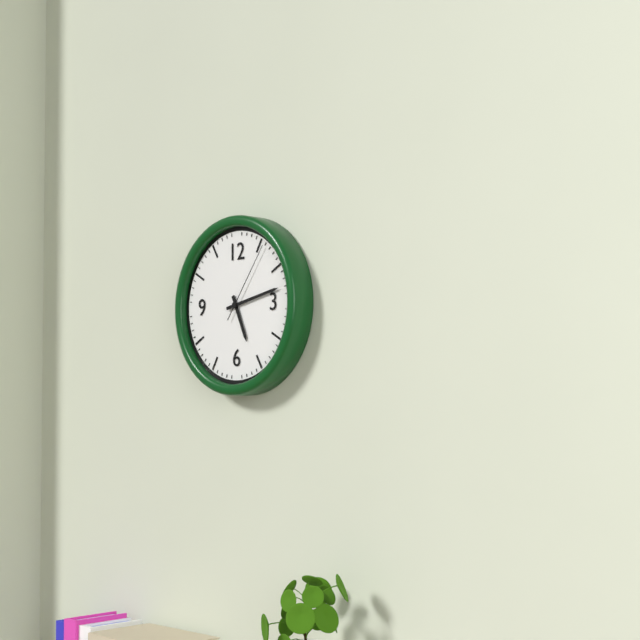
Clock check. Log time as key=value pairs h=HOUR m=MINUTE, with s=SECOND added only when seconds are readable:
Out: h=5 m=13 s=6
